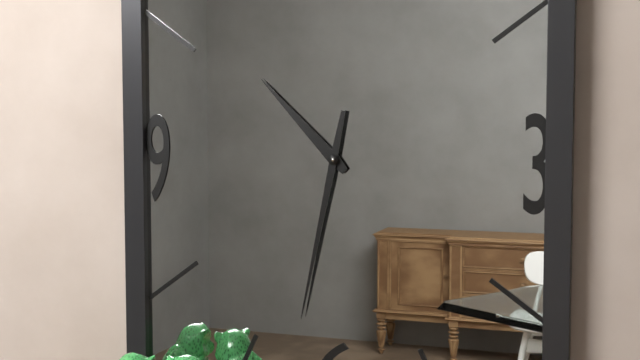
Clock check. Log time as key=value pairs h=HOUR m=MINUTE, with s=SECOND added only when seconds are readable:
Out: h=10 m=32
